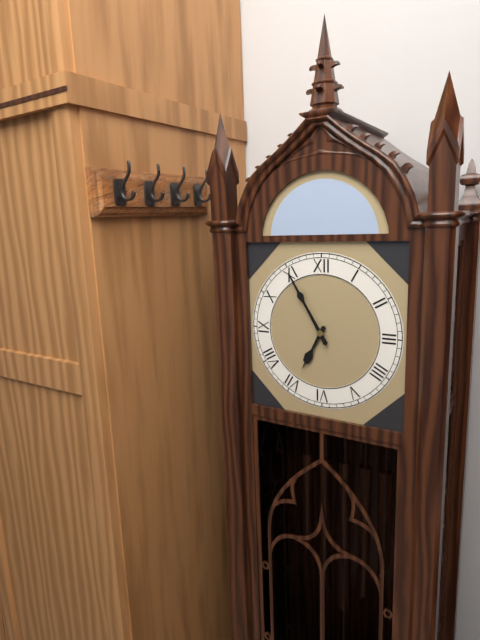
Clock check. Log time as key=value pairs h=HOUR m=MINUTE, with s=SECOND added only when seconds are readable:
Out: h=6 m=55
